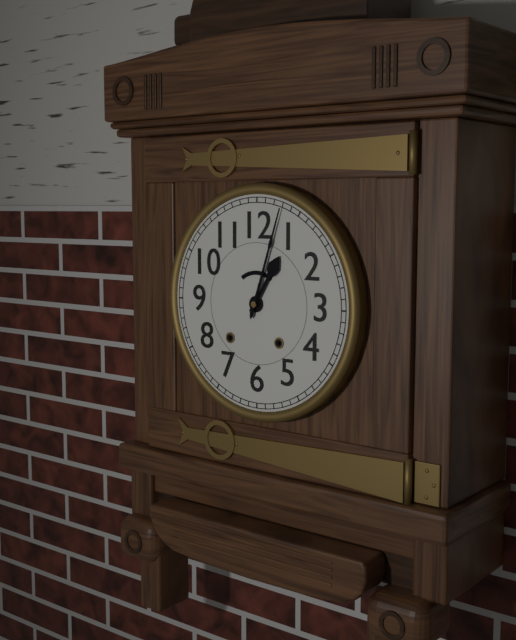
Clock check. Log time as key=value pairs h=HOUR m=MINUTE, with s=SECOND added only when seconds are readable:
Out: h=1 m=3
